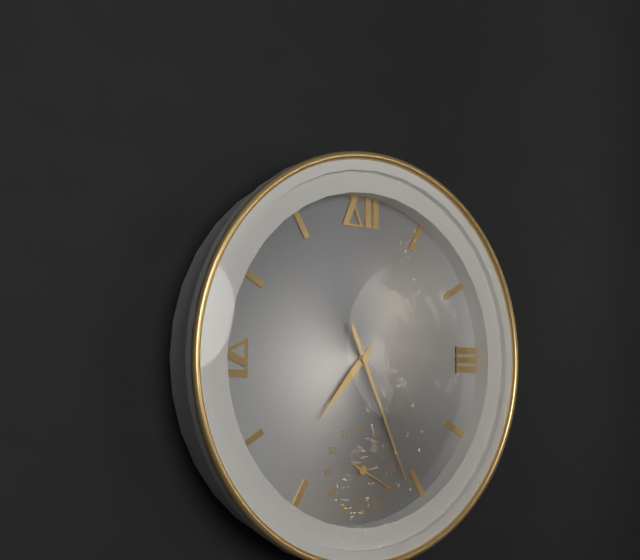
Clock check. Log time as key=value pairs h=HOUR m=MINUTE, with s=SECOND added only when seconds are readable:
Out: h=7 m=26 s=20
